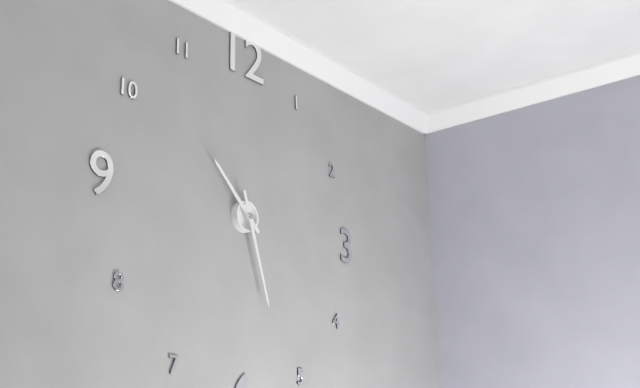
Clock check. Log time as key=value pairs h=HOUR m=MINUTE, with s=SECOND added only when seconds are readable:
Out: h=10 m=27
